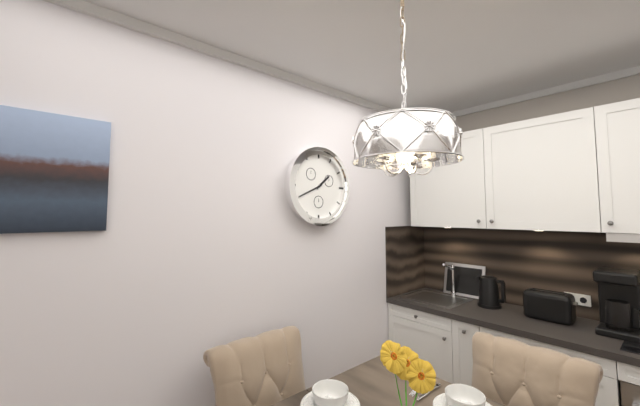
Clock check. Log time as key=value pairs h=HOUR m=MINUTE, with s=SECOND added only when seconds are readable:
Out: h=1 m=41
